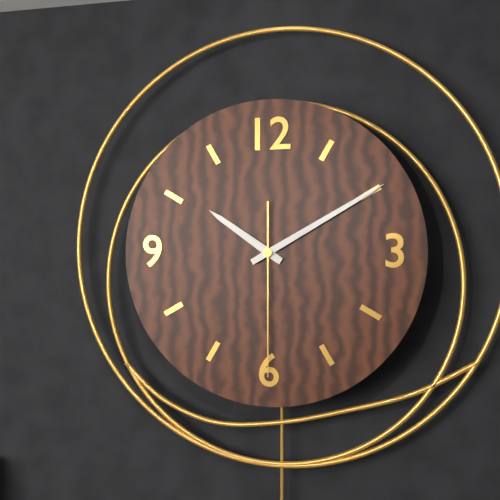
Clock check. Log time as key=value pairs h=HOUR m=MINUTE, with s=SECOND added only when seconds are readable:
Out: h=10 m=10 s=30
